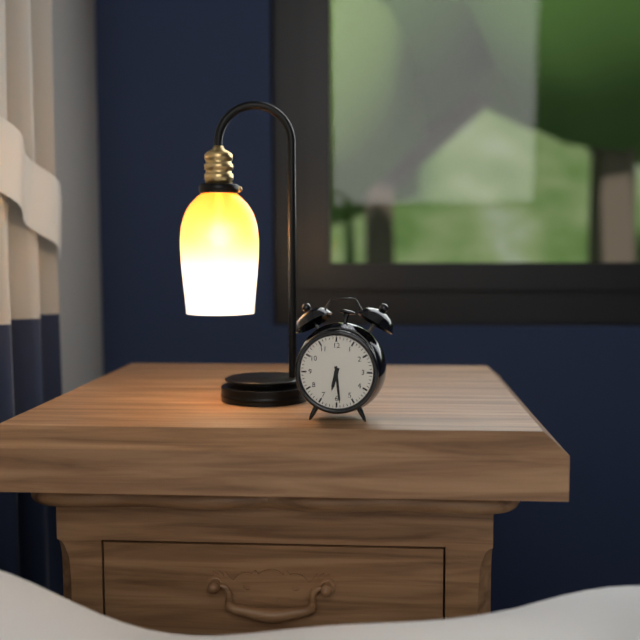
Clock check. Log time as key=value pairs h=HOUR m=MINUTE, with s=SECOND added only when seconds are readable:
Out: h=6 m=29
